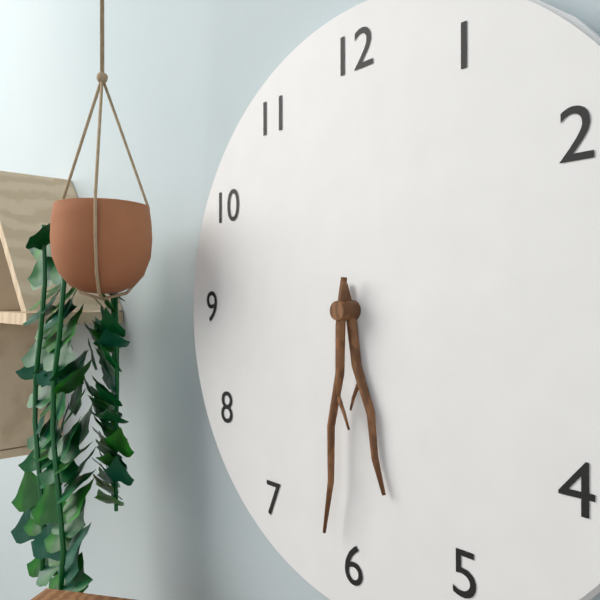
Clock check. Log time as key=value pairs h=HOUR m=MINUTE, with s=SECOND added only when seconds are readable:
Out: h=5 m=31
